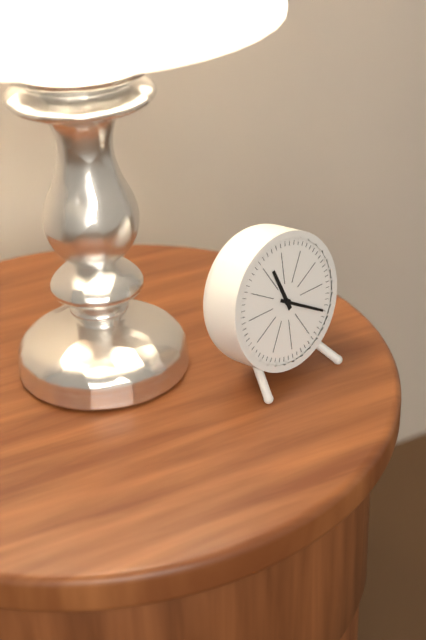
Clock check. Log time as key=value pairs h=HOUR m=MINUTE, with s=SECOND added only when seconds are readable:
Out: h=11 m=20
